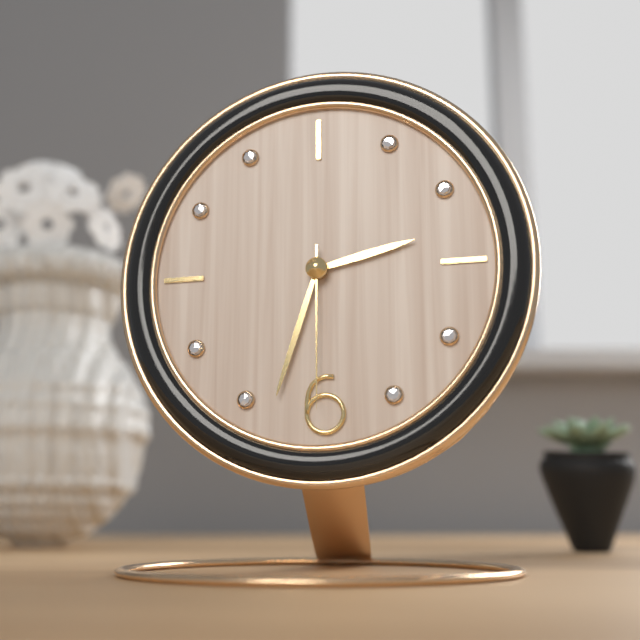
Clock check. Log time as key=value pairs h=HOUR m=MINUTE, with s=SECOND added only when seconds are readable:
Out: h=2 m=33 s=30
